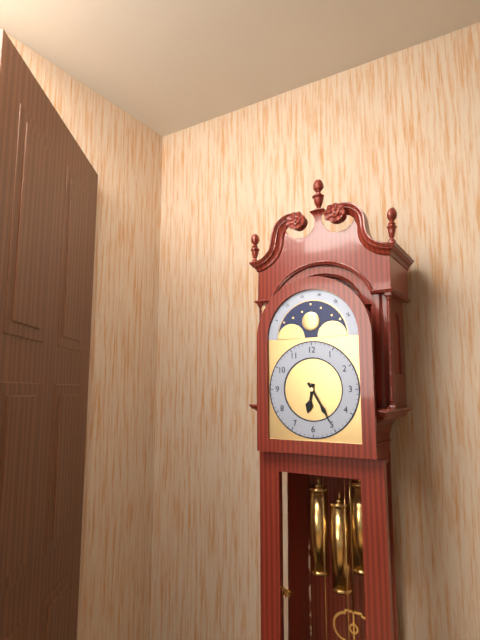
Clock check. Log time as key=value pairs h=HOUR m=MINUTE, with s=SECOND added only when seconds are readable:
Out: h=6 m=25
